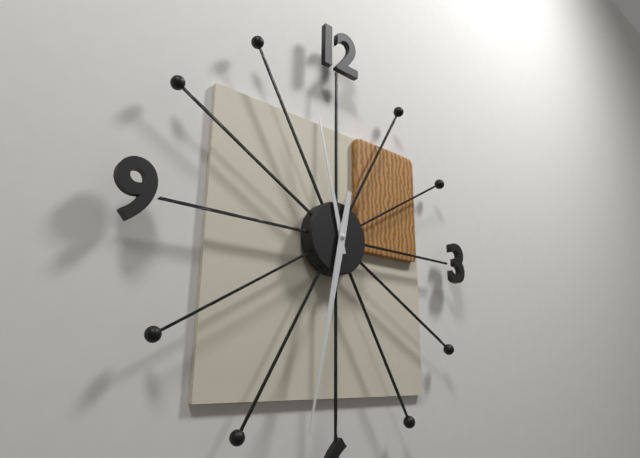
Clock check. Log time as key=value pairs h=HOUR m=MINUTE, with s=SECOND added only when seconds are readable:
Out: h=11 m=32
